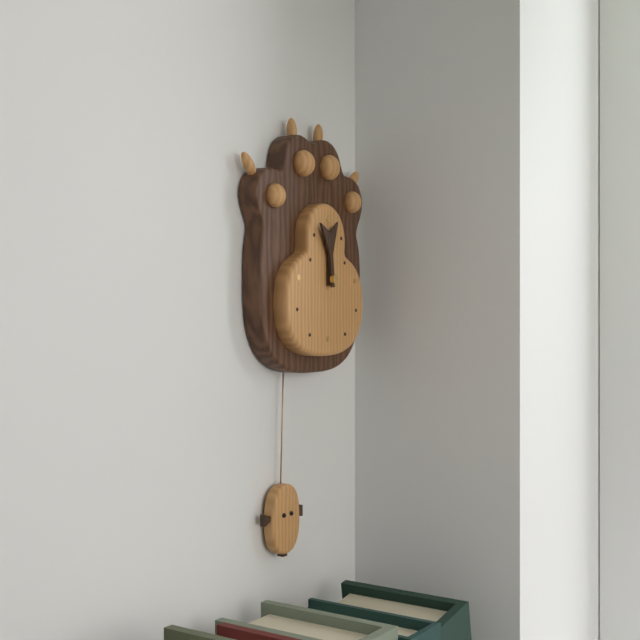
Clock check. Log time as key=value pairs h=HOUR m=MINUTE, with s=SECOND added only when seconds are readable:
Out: h=11 m=59
